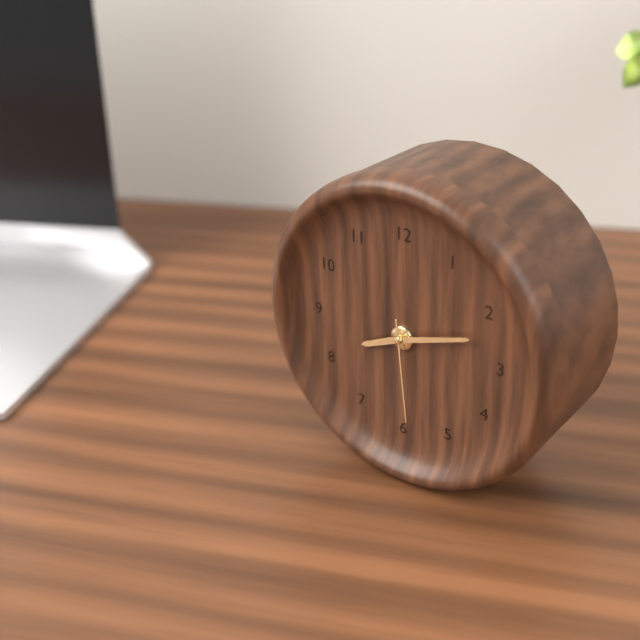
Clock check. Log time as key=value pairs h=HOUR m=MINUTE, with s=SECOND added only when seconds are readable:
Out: h=8 m=12 s=29
